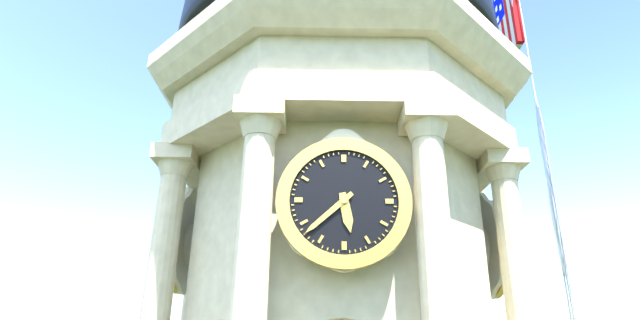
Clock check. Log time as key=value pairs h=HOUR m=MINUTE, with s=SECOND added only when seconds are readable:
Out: h=5 m=38
